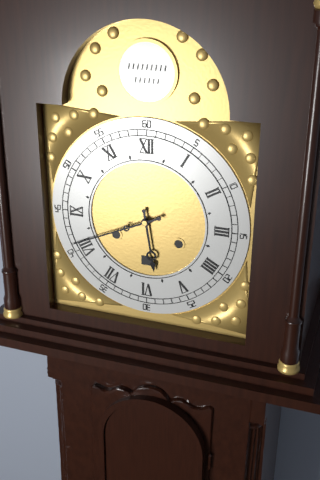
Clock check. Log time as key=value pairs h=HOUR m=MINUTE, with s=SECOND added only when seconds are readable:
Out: h=5 m=41
